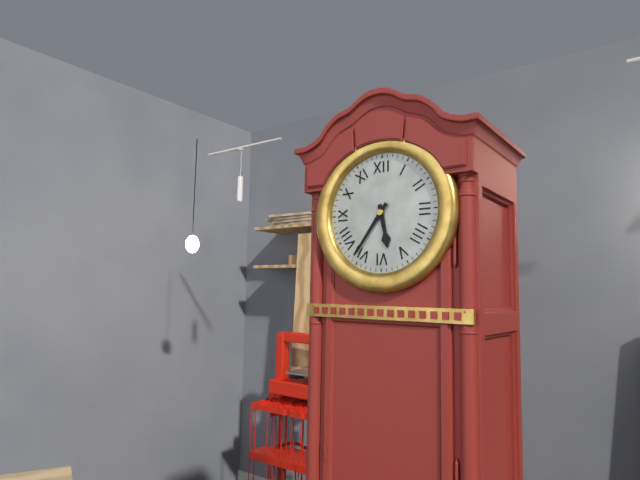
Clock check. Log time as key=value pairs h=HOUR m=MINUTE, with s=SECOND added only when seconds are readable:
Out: h=5 m=36
